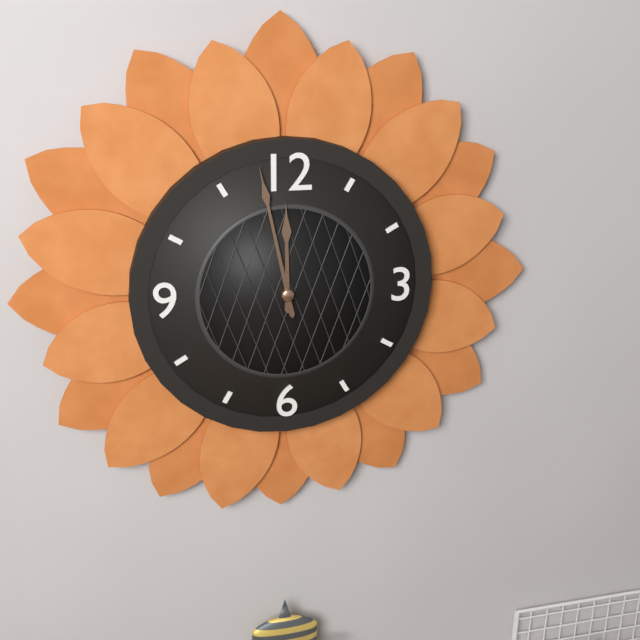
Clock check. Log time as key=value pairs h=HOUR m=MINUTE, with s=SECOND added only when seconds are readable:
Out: h=11 m=58
